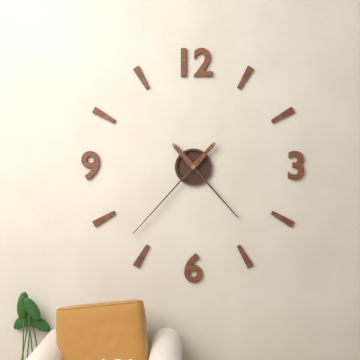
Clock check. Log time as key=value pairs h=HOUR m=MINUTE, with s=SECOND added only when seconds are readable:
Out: h=4 m=37
